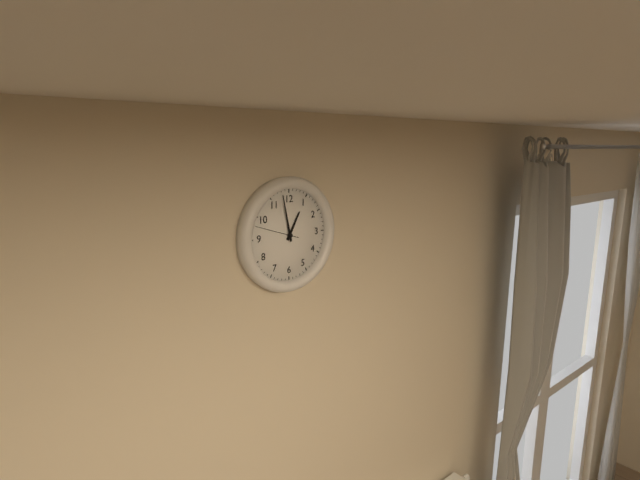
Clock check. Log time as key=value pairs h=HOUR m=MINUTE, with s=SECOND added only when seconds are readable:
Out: h=12 m=58
